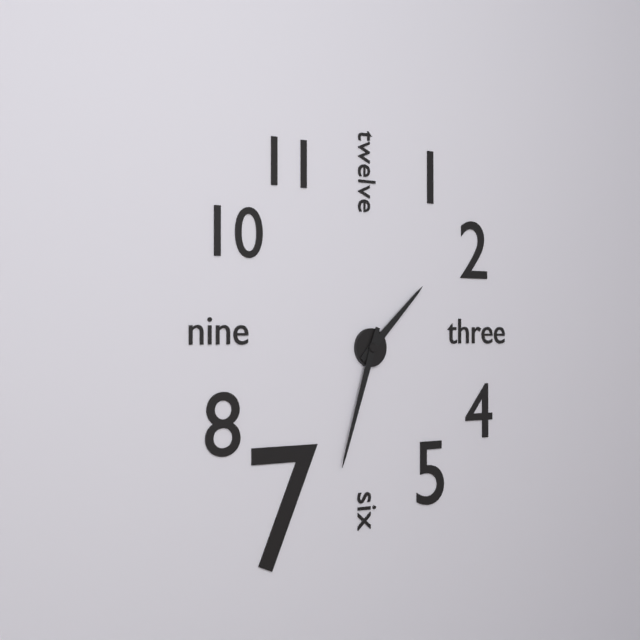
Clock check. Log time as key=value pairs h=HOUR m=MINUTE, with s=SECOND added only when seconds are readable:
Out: h=1 m=33
